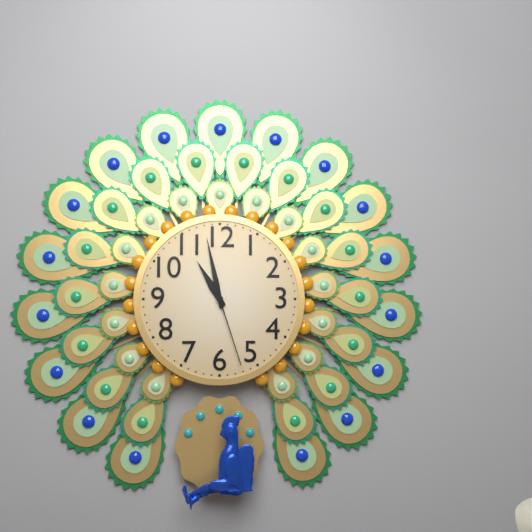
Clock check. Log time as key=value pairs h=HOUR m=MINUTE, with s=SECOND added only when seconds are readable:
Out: h=10 m=58 s=27
